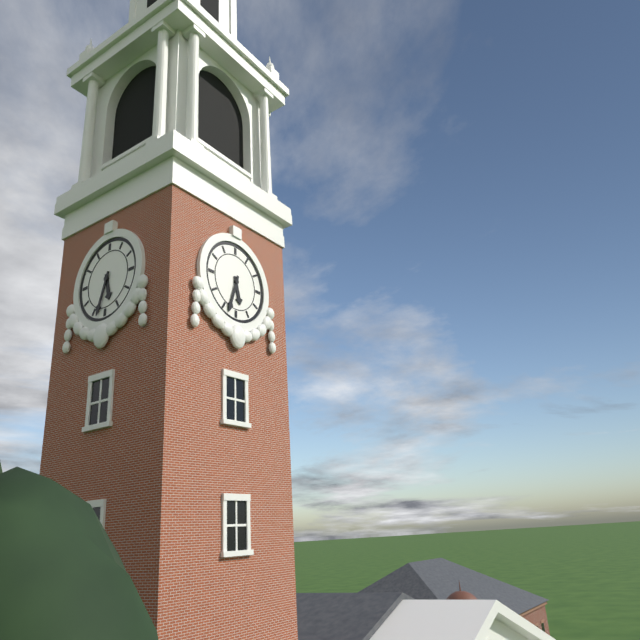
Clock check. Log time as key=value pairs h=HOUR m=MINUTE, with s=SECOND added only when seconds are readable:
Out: h=5 m=33
